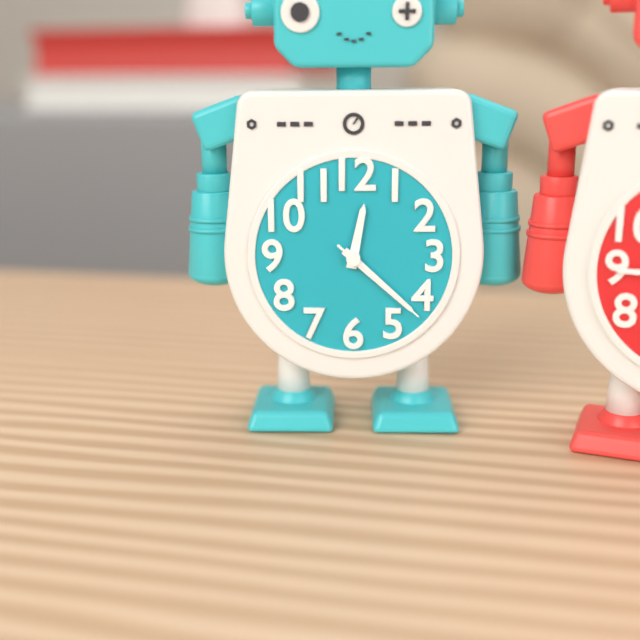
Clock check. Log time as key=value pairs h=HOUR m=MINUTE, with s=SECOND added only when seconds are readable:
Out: h=12 m=22 s=22
